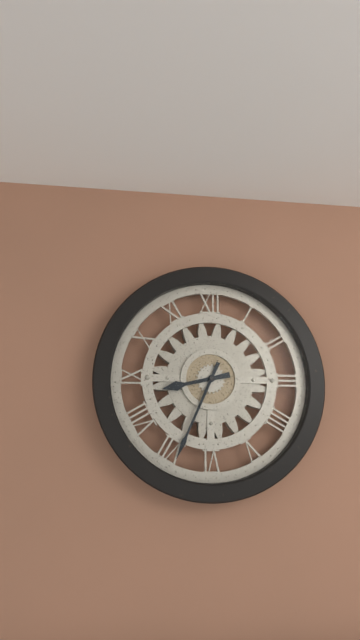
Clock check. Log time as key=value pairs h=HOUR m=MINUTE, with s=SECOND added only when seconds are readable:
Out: h=8 m=34
